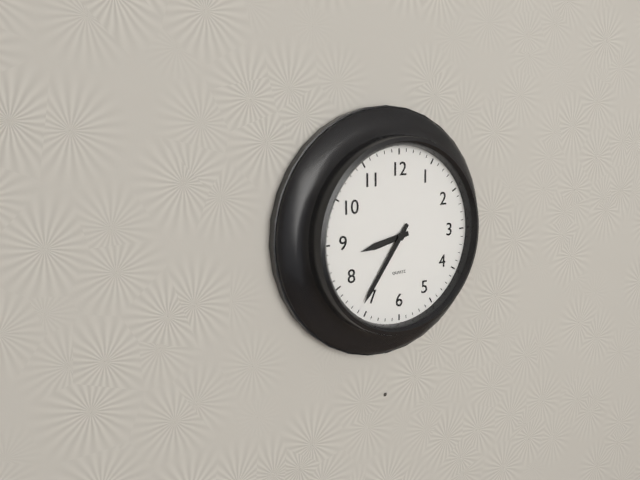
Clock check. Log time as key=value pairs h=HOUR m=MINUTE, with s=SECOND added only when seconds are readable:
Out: h=8 m=36
